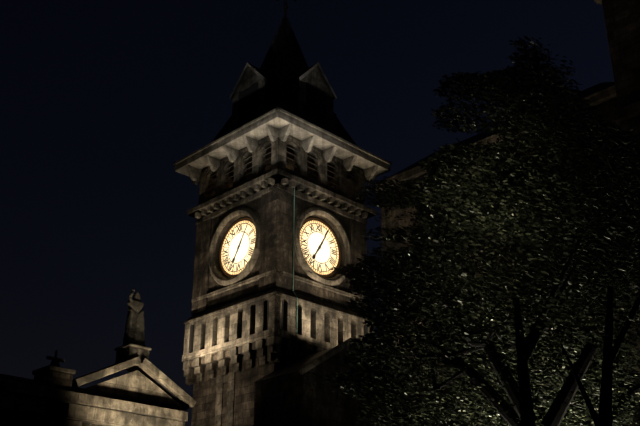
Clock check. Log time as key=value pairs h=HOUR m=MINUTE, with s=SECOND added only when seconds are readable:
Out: h=7 m=5
